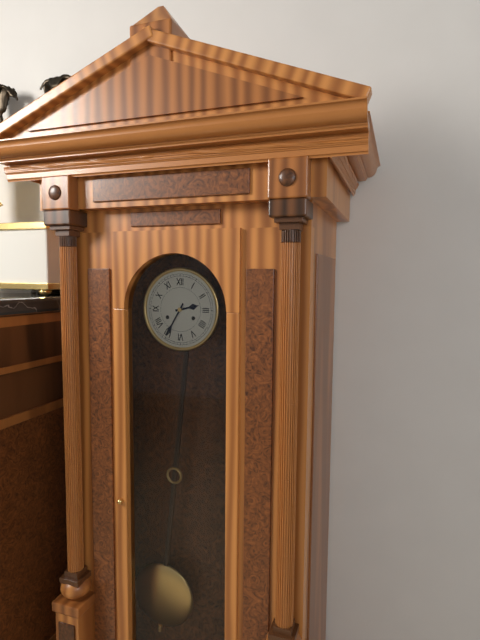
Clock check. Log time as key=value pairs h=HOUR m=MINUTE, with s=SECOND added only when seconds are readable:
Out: h=2 m=35
